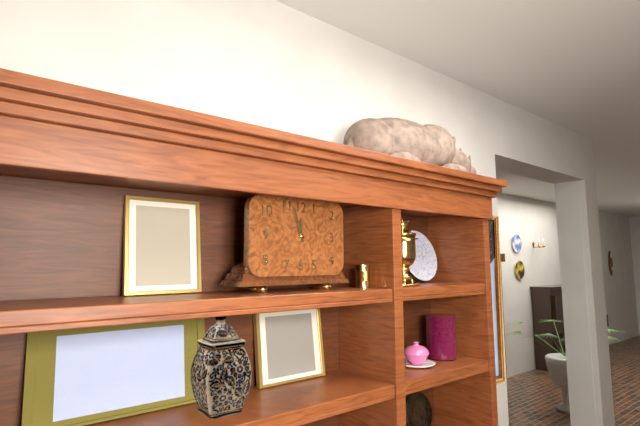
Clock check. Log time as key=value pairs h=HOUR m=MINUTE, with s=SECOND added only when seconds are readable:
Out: h=11 m=57
